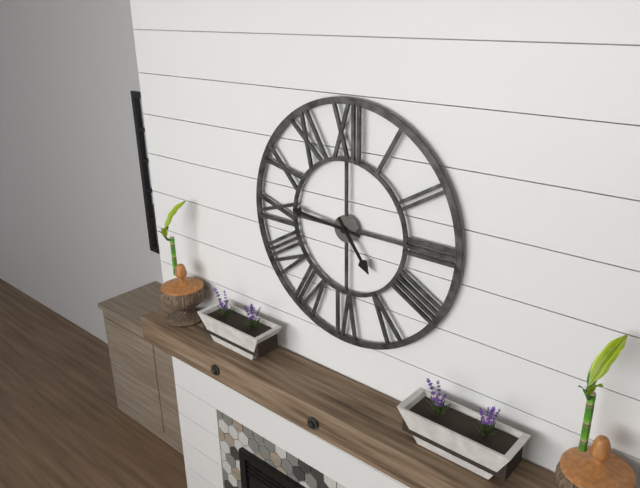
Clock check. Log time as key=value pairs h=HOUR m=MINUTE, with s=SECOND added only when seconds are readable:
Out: h=4 m=46
